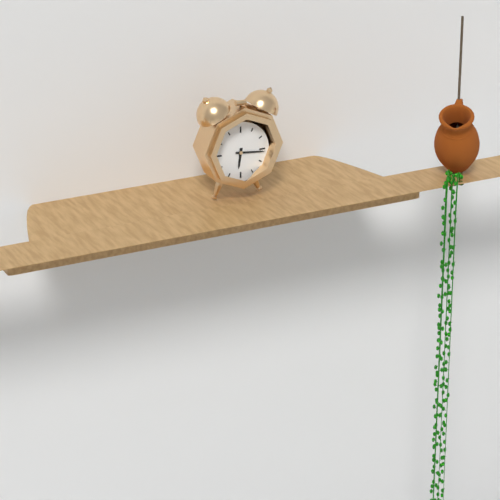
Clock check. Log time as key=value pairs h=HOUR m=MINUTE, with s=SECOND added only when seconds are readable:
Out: h=6 m=16
